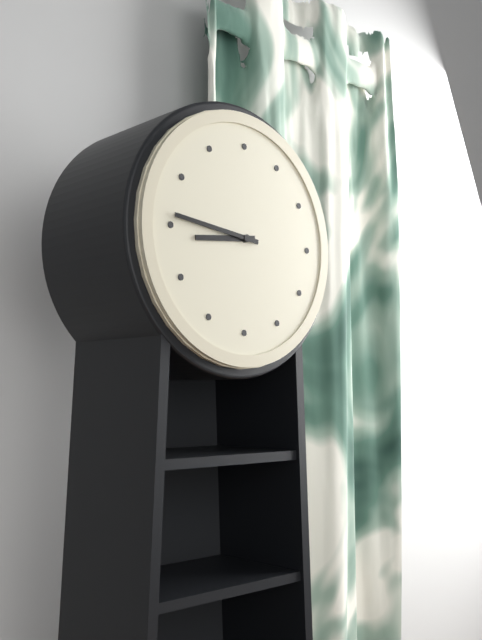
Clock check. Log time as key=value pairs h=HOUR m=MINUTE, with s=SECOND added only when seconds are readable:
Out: h=8 m=46
